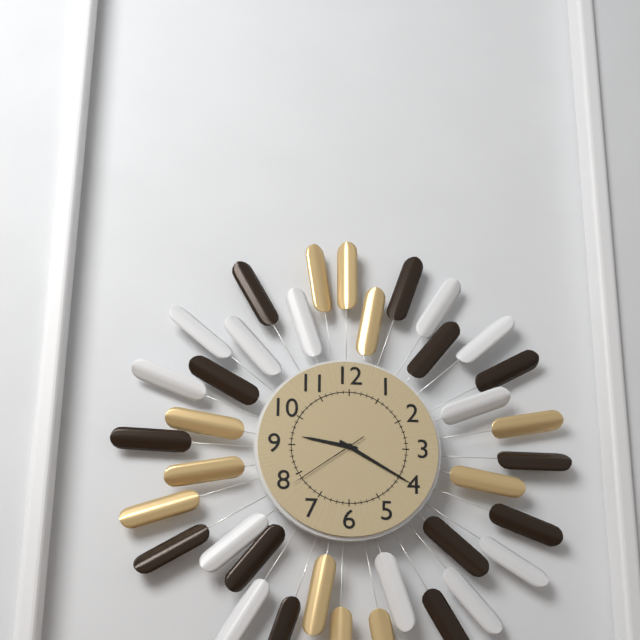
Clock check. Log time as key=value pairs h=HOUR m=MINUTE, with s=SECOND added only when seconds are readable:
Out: h=9 m=20 s=39
